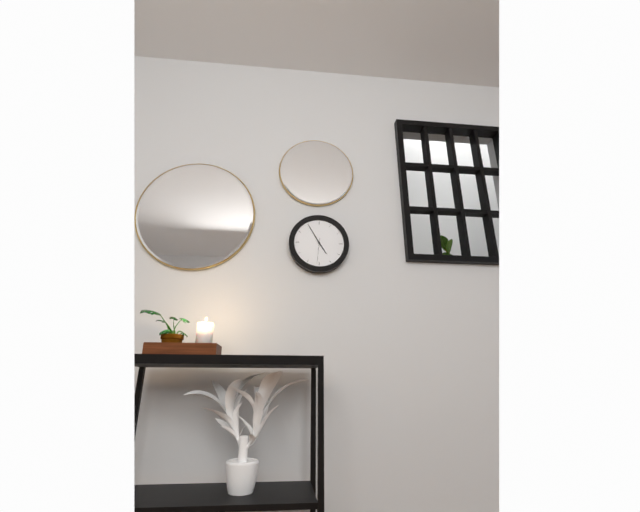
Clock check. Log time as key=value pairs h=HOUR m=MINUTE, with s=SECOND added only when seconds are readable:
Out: h=4 m=55
